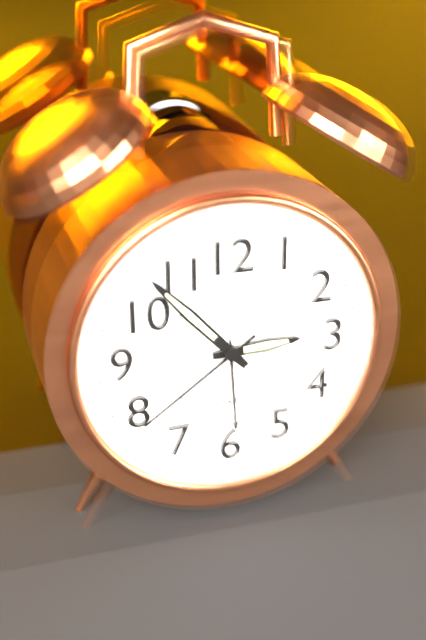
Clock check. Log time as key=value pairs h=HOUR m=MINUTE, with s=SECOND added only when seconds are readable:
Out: h=2 m=53 s=39
